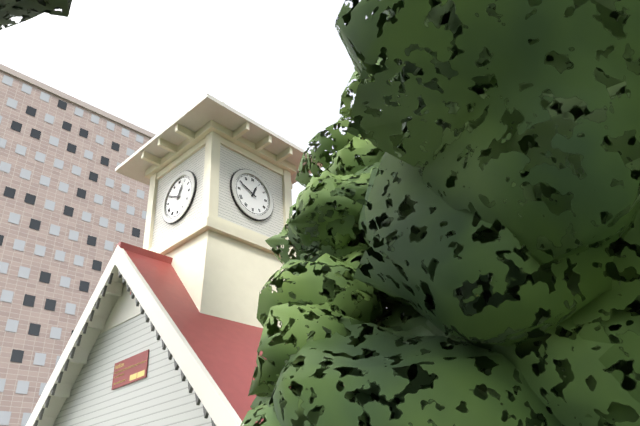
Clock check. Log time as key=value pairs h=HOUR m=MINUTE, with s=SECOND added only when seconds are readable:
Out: h=12 m=49
